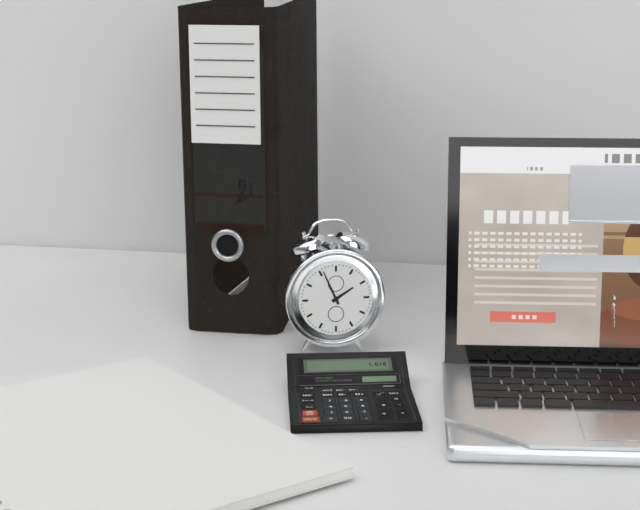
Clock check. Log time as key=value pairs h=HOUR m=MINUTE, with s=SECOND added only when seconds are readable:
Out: h=1 m=56
